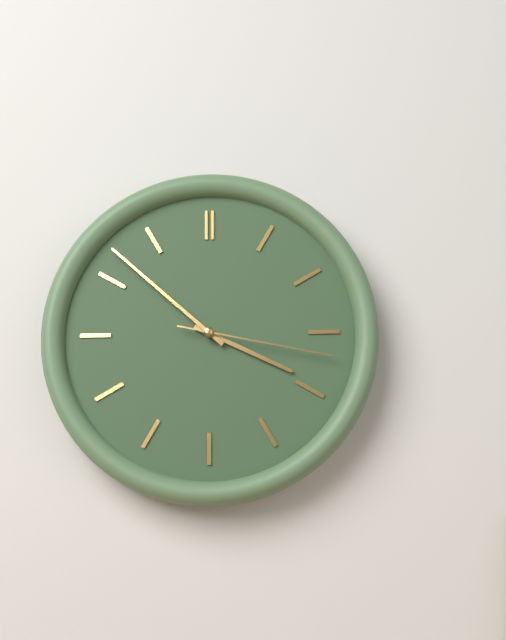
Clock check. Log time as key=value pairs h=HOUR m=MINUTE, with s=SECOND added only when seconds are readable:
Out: h=3 m=52 s=17
